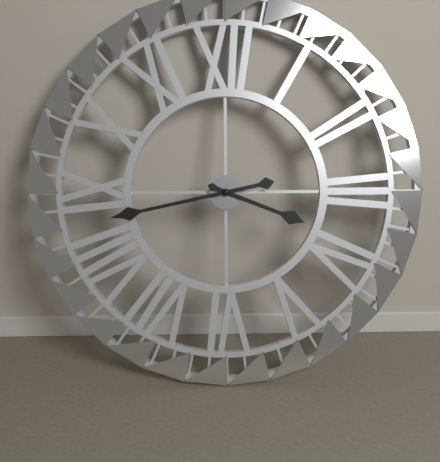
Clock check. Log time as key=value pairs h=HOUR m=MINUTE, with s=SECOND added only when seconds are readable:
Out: h=3 m=43
